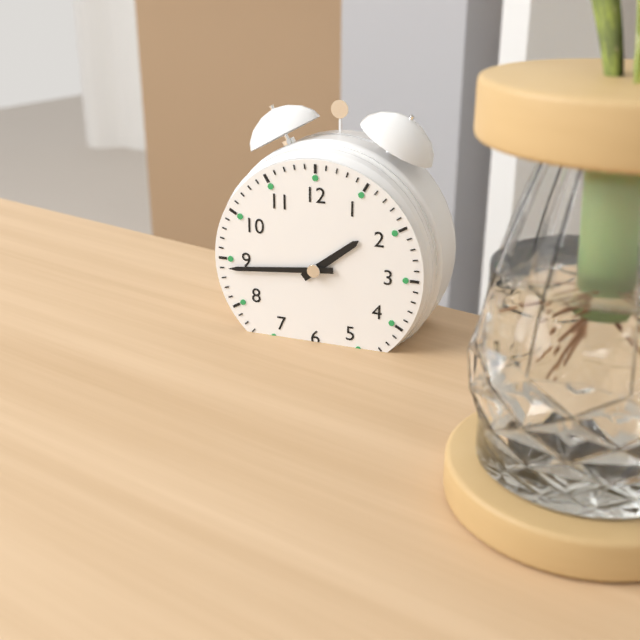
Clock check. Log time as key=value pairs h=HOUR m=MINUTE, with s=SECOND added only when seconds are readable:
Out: h=1 m=44
